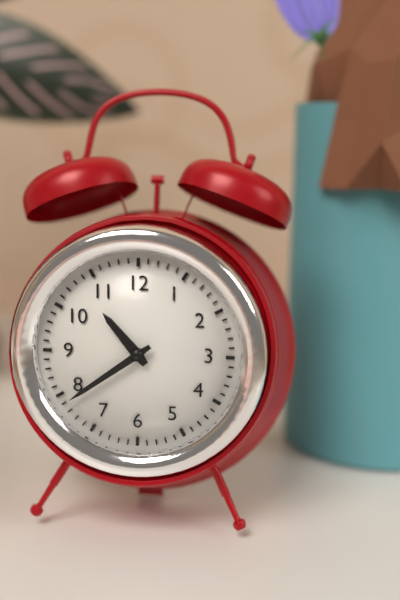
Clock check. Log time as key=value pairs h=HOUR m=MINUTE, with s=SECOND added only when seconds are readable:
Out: h=10 m=39
